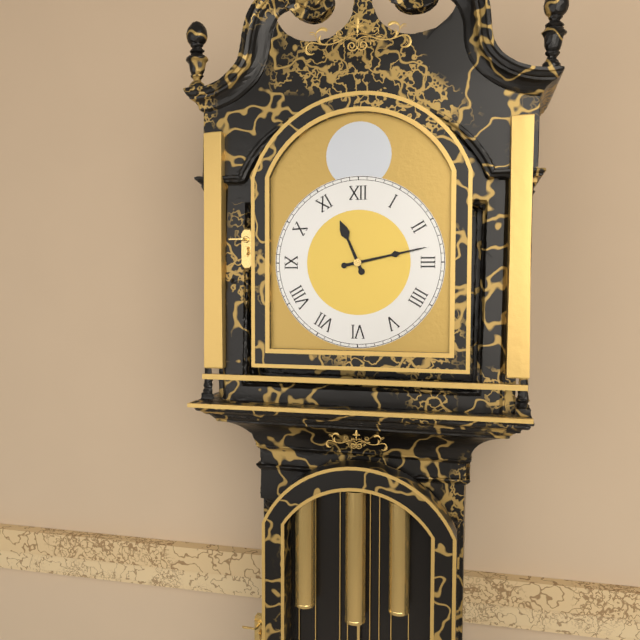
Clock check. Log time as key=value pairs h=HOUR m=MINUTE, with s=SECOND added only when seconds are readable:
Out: h=11 m=13
